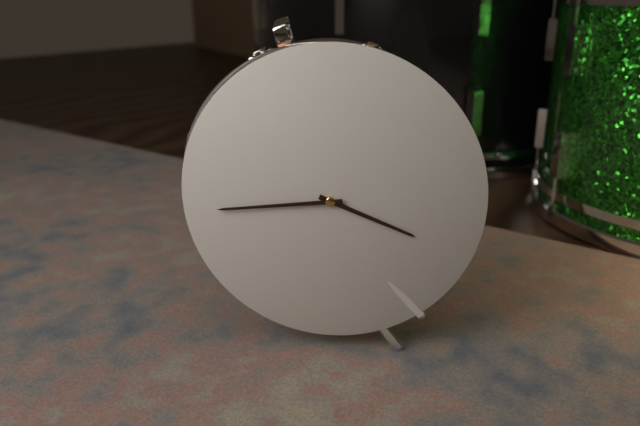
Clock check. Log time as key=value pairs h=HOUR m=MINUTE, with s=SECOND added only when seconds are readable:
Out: h=3 m=44
